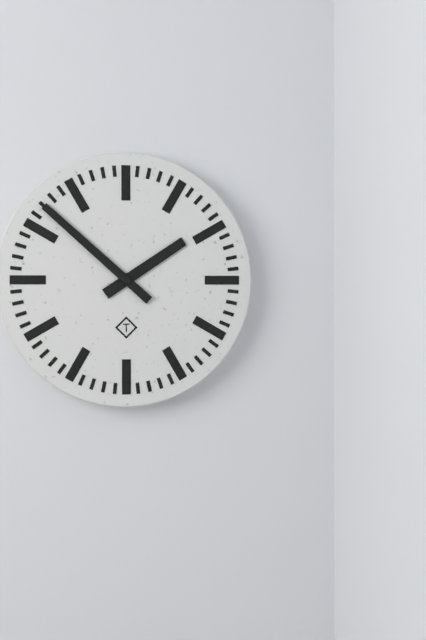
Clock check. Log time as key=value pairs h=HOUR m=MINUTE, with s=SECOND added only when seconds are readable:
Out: h=1 m=52
